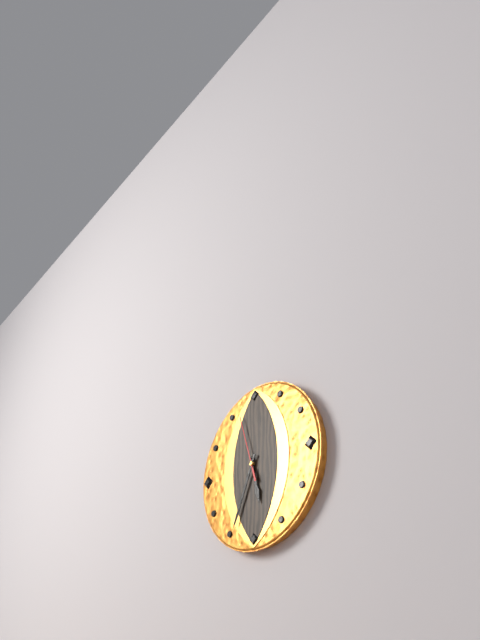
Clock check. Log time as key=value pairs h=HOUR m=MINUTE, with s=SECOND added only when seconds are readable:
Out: h=5 m=34 s=57
